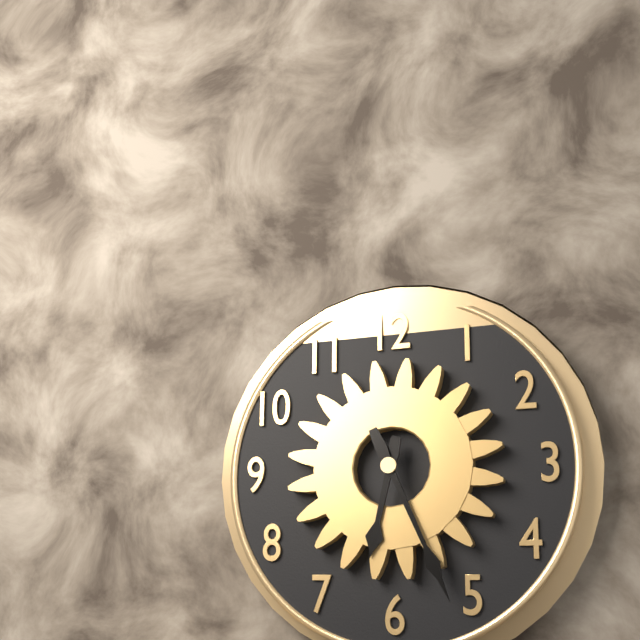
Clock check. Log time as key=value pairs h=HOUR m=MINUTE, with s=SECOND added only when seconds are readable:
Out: h=6 m=26
